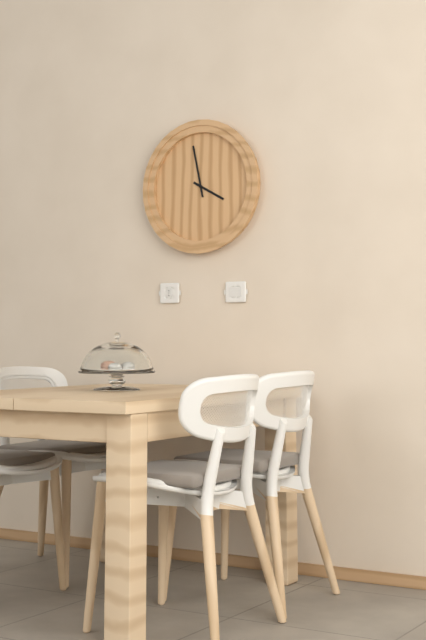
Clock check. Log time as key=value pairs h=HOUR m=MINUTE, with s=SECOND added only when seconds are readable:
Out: h=3 m=58
